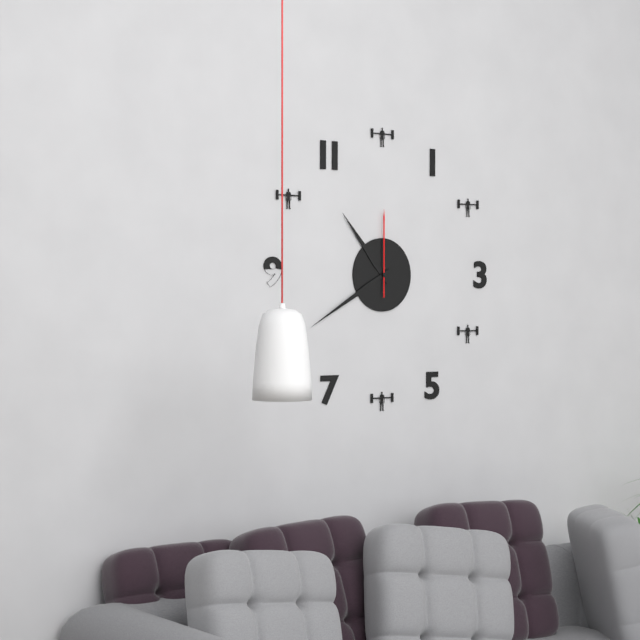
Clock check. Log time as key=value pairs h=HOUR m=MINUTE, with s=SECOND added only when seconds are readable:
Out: h=10 m=40 s=0
